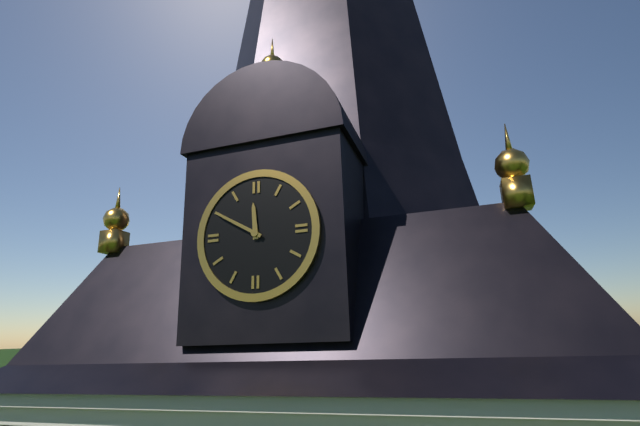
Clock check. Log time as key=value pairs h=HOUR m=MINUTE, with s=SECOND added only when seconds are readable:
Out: h=11 m=50
